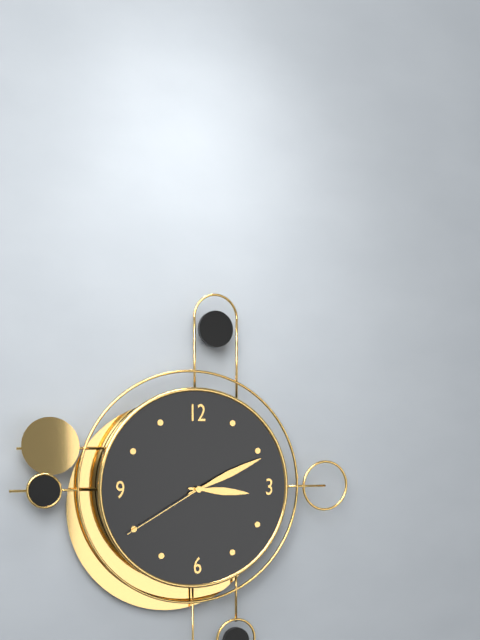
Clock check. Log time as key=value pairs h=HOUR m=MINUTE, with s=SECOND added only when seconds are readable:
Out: h=3 m=11 s=40
